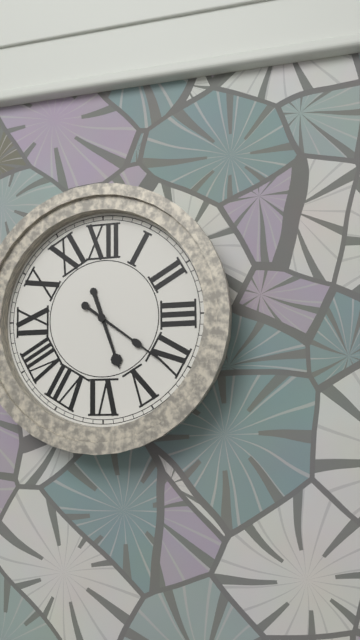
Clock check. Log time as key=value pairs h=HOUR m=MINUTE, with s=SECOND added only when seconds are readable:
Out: h=5 m=21
